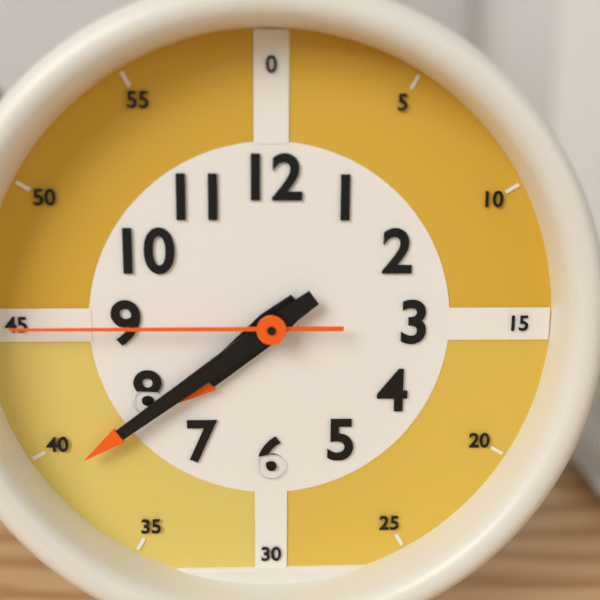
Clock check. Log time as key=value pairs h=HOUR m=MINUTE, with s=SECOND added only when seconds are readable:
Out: h=7 m=39 s=45
